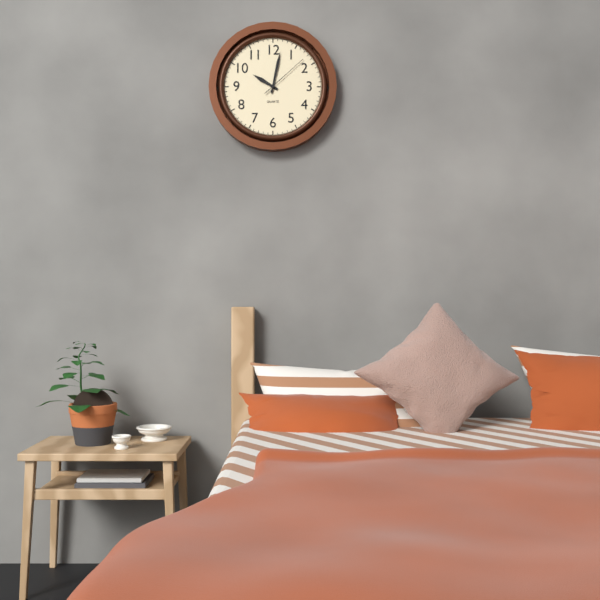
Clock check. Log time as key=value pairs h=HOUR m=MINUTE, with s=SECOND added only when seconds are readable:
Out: h=10 m=2 s=8
